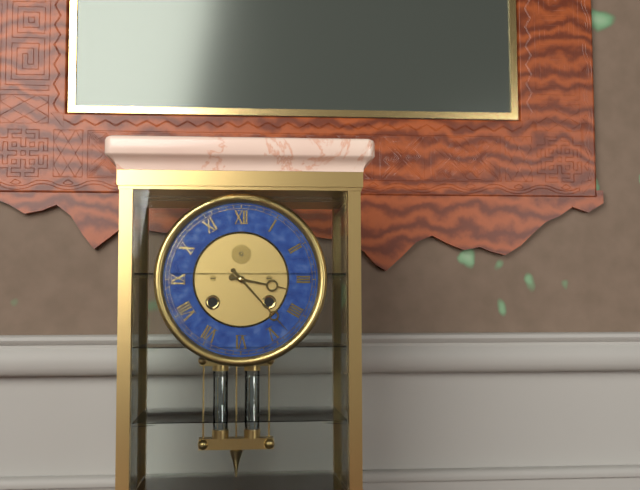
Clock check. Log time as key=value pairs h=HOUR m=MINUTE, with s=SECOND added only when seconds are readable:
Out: h=3 m=23
